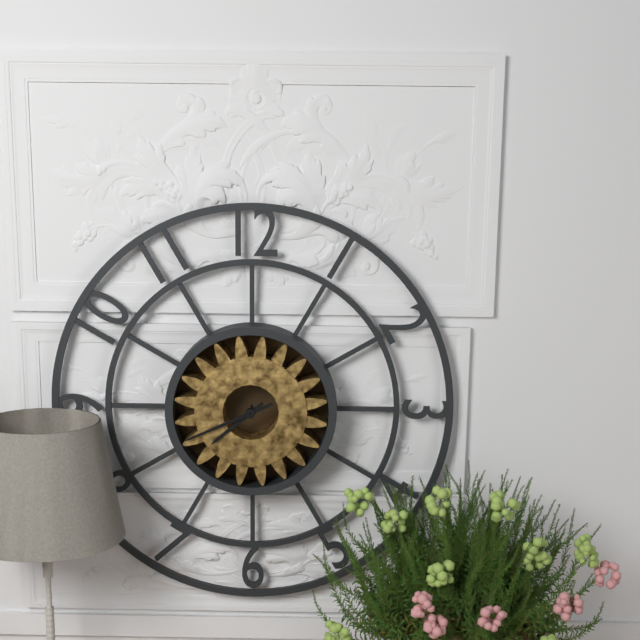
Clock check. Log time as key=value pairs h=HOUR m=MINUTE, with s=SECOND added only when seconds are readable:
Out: h=7 m=41
